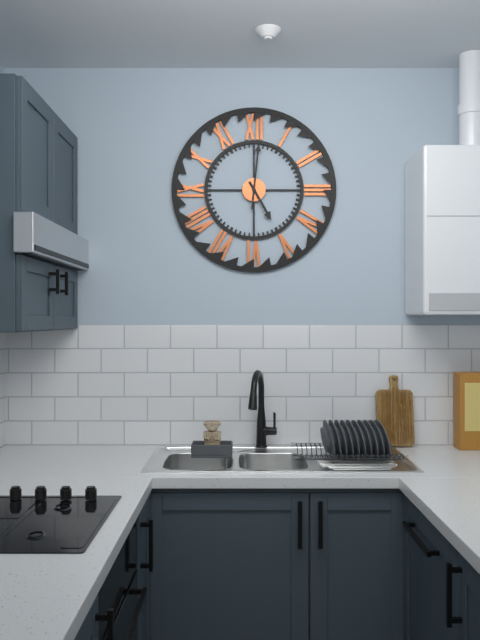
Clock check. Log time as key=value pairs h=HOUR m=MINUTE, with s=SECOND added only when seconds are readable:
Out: h=5 m=1
